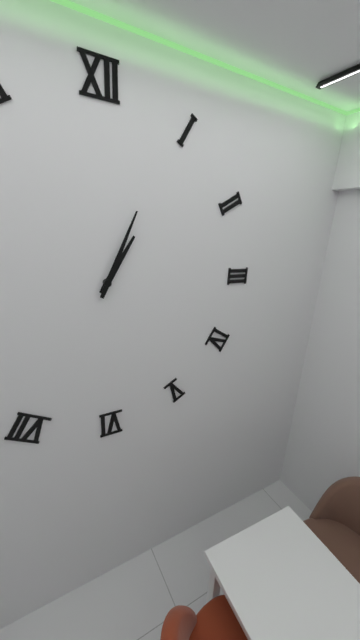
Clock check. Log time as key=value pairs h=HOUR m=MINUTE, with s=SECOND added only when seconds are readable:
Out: h=1 m=4
